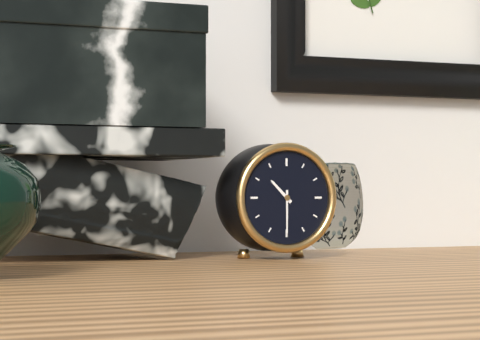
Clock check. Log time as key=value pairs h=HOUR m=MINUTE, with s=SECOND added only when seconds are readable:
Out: h=10 m=30
